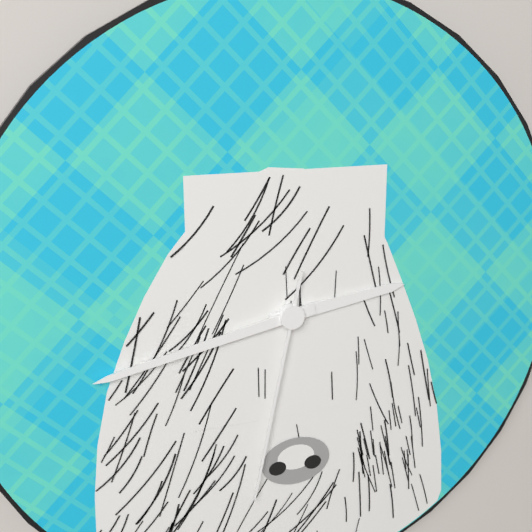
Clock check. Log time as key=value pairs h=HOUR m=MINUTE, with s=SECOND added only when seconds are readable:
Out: h=2 m=43 s=32
